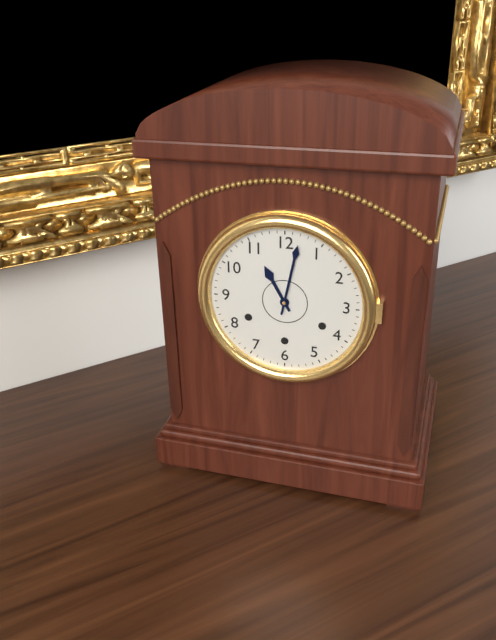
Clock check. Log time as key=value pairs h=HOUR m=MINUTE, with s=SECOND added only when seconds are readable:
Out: h=11 m=2
